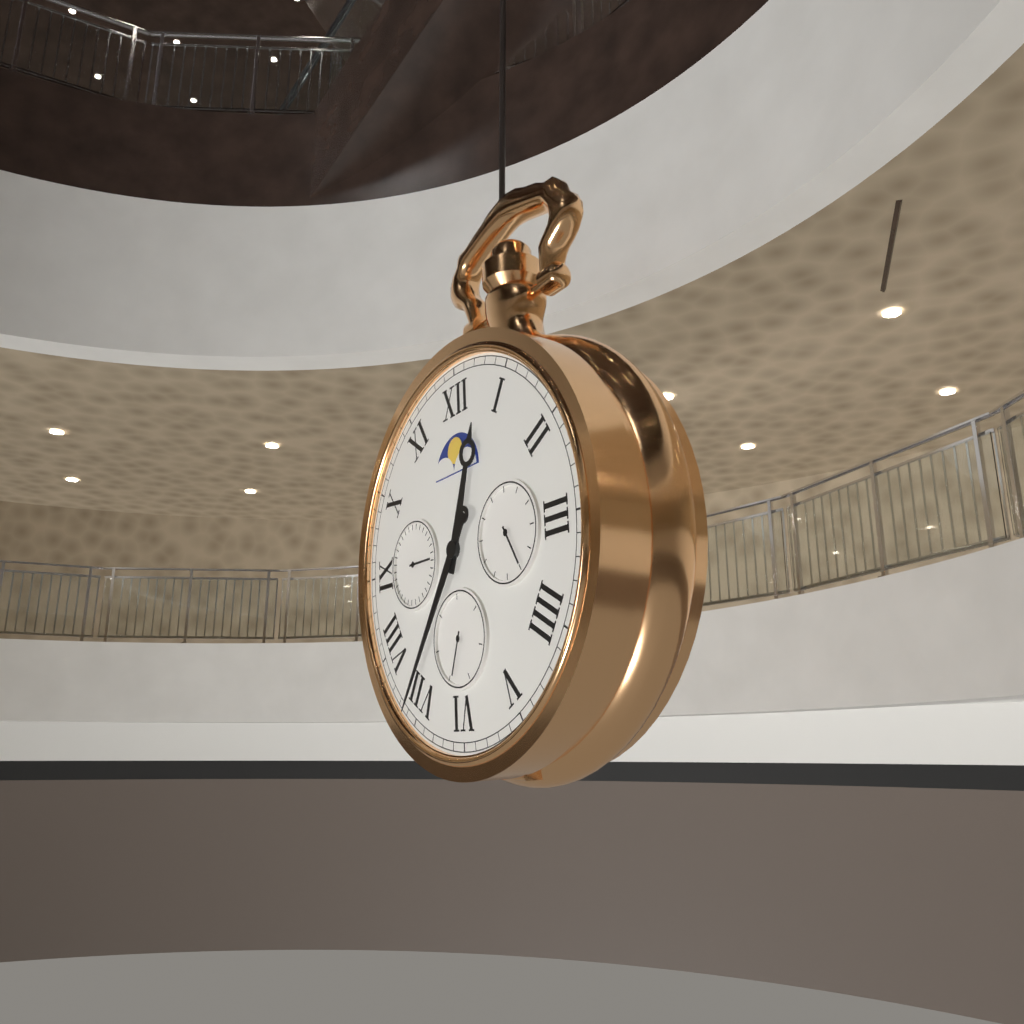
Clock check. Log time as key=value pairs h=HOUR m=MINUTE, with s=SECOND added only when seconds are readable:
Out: h=12 m=36
